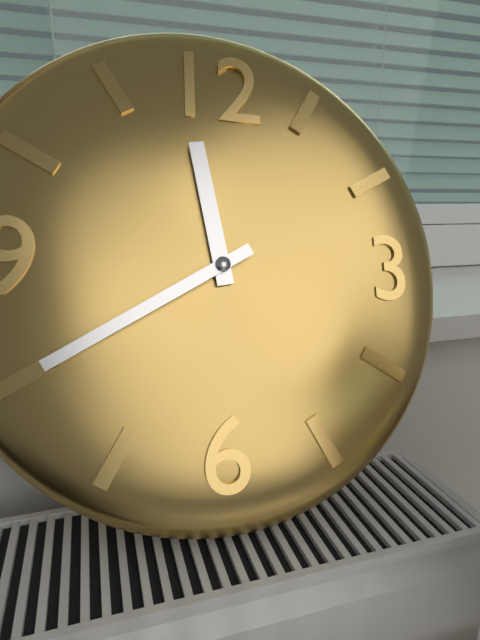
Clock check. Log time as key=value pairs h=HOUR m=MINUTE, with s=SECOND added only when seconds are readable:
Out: h=11 m=40
